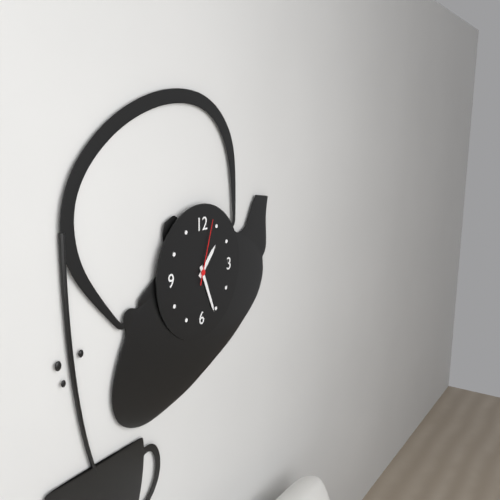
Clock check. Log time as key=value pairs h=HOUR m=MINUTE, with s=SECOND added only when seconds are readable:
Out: h=1 m=26 s=3
